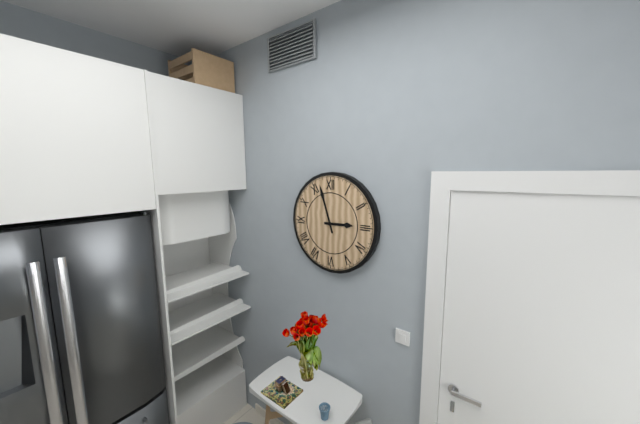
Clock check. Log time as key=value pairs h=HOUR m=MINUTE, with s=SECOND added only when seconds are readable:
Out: h=2 m=57
